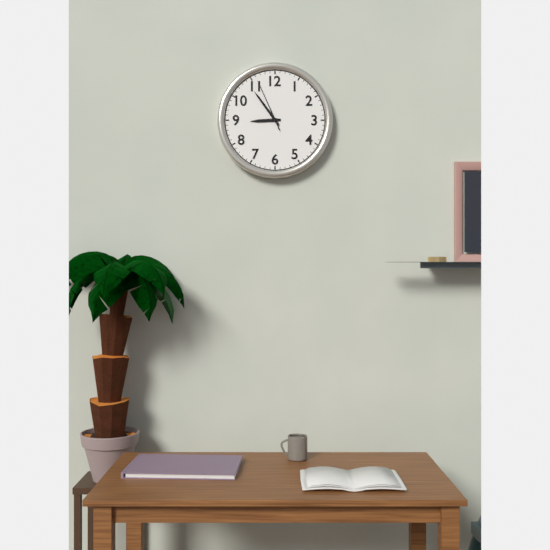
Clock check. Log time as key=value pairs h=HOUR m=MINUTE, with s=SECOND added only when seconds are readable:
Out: h=8 m=54 s=56
